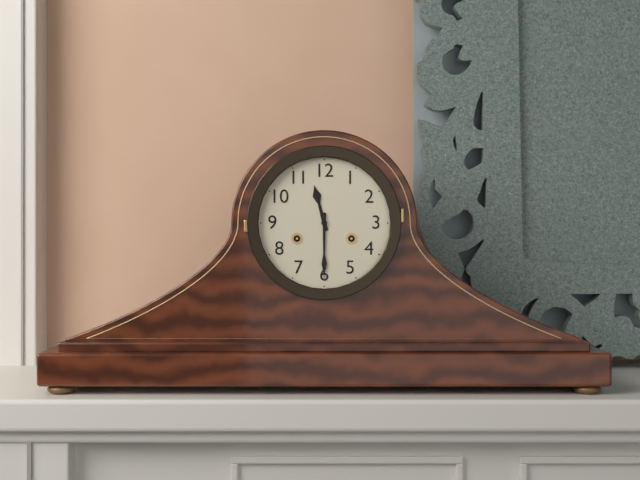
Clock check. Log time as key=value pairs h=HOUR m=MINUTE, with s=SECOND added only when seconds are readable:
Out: h=11 m=30
